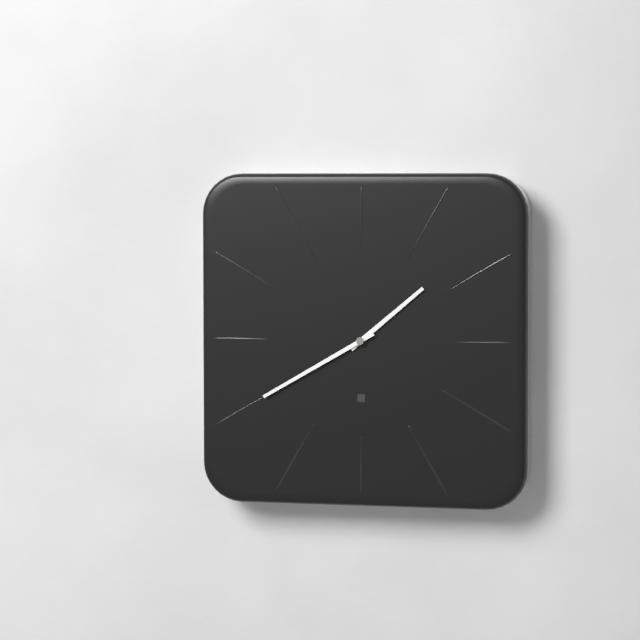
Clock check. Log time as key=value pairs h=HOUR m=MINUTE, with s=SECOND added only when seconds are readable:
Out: h=1 m=40
